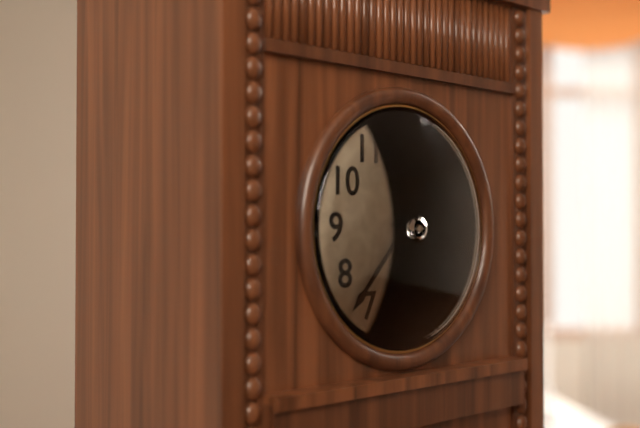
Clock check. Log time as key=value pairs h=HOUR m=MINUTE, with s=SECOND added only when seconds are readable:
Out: h=3 m=37
